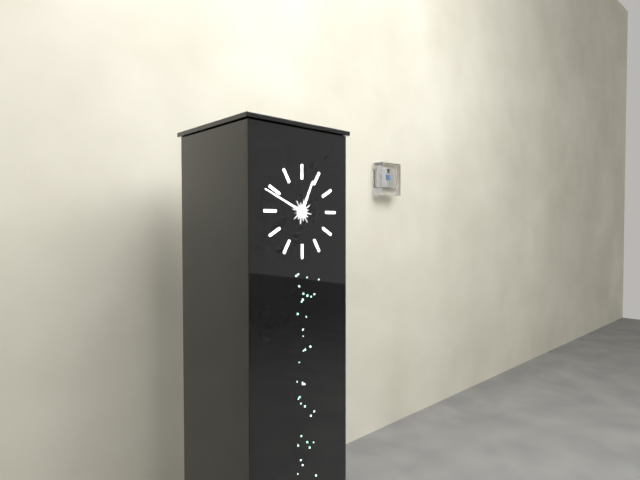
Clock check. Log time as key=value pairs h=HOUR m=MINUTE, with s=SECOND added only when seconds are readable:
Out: h=12 m=49
